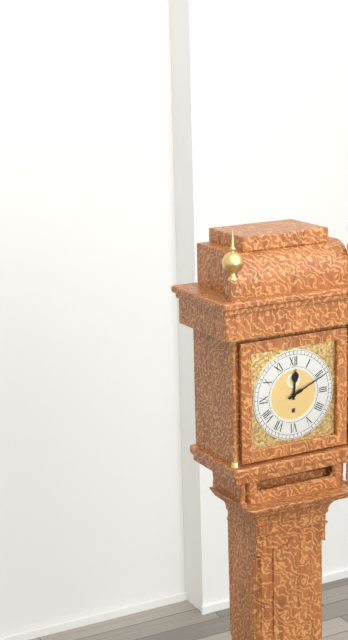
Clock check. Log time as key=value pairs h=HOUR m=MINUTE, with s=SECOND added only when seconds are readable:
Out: h=12 m=11
